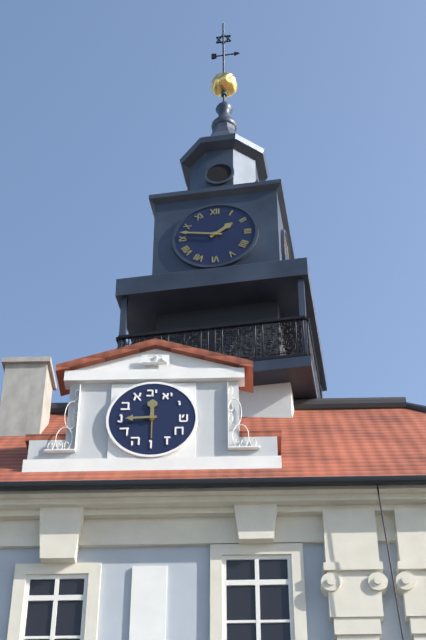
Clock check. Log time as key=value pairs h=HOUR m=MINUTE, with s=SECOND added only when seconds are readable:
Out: h=1 m=47
